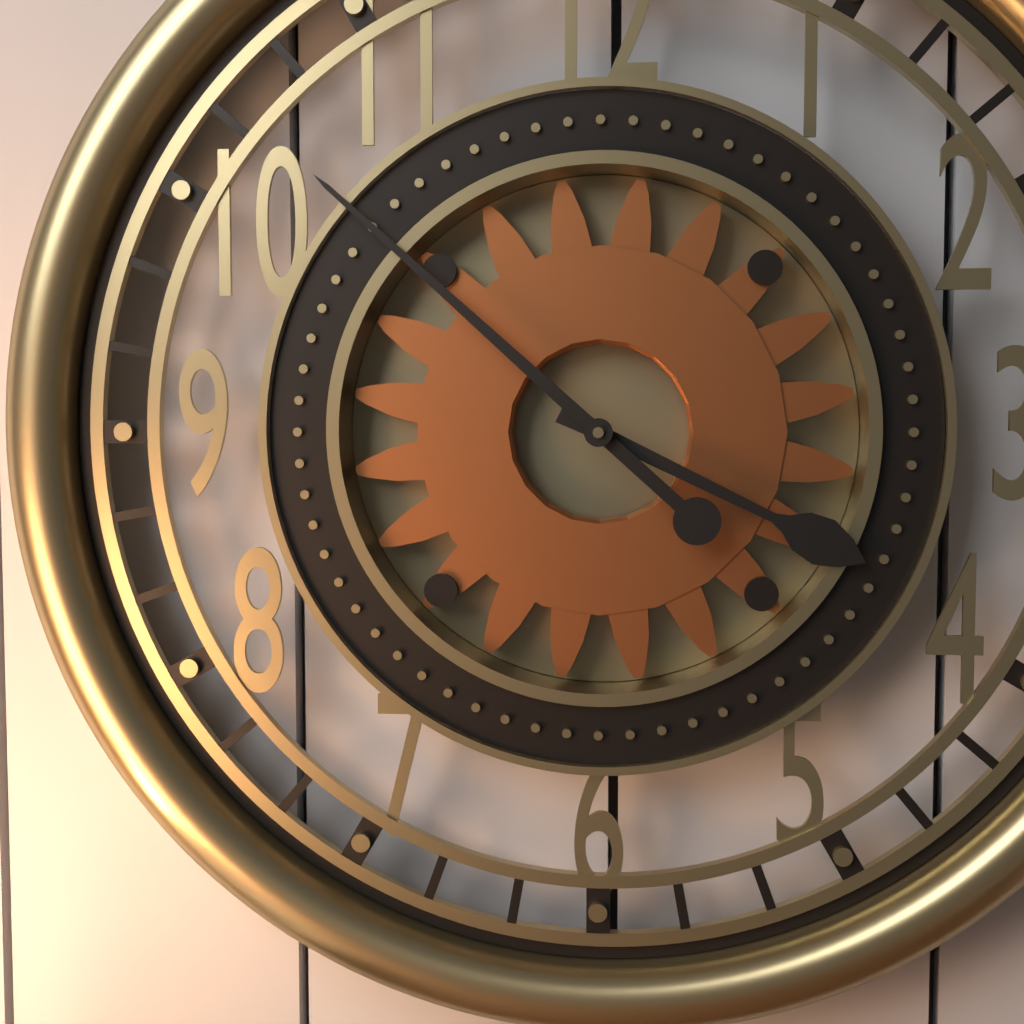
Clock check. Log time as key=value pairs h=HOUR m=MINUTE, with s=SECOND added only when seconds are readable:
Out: h=3 m=52
